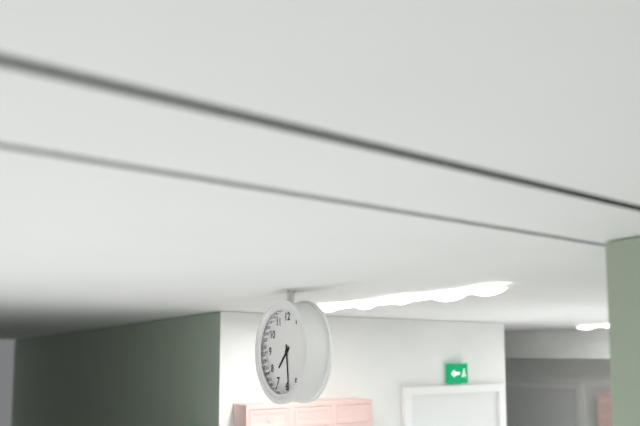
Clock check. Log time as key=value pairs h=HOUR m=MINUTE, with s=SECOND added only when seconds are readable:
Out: h=7 m=29
